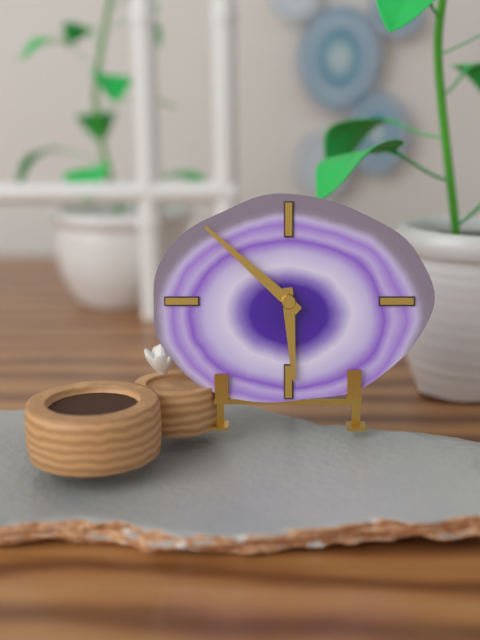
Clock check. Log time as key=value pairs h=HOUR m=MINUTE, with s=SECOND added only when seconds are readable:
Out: h=5 m=52
